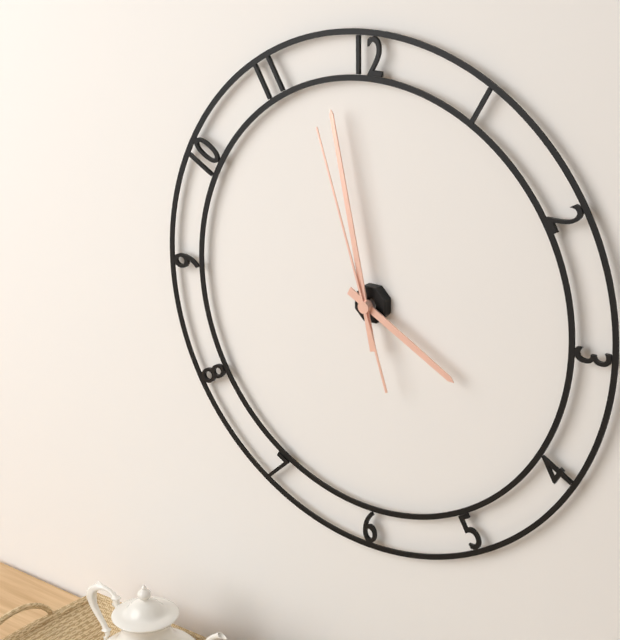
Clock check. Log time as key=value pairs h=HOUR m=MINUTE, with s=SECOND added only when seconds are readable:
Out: h=3 m=58 s=57
